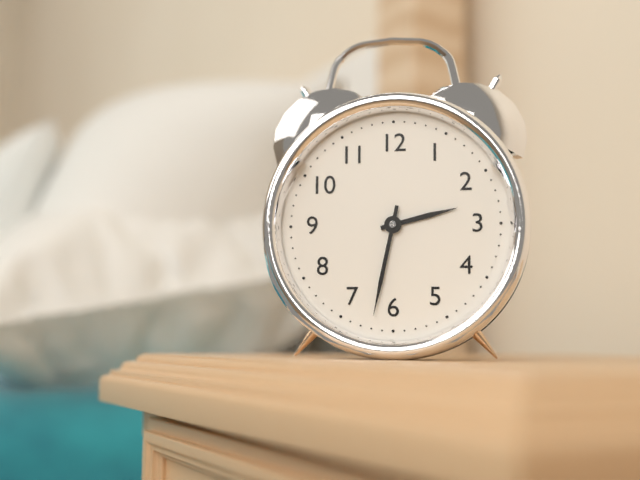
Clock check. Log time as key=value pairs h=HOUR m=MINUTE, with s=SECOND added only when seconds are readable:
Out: h=2 m=32
